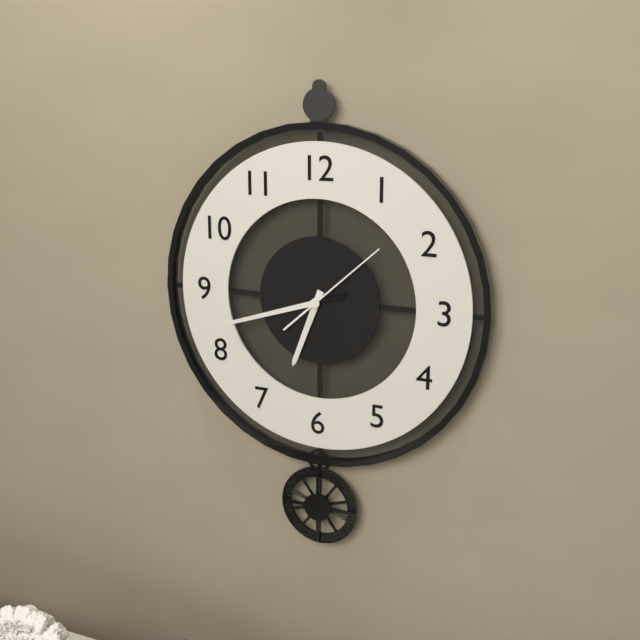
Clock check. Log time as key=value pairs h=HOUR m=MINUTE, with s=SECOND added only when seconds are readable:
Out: h=6 m=42 s=8
